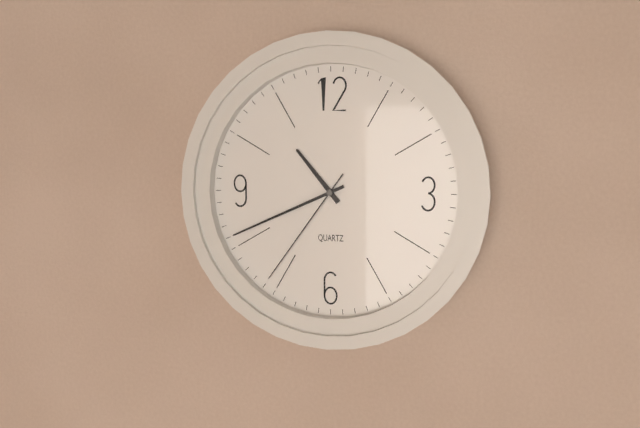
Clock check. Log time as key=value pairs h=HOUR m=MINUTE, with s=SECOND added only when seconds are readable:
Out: h=10 m=41 s=36
